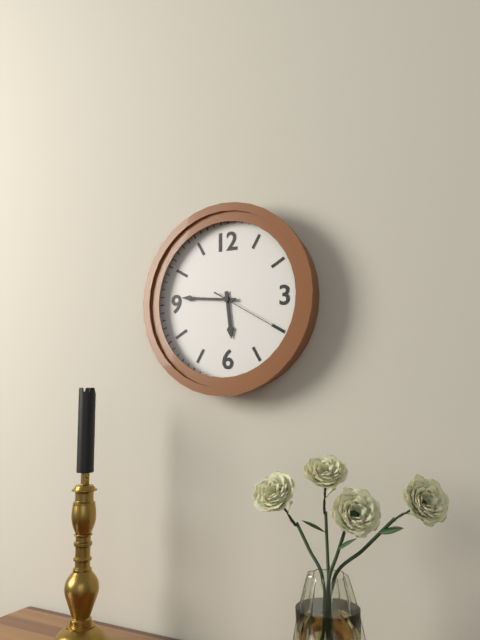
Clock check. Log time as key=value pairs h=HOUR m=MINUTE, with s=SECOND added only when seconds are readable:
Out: h=5 m=46 s=20
